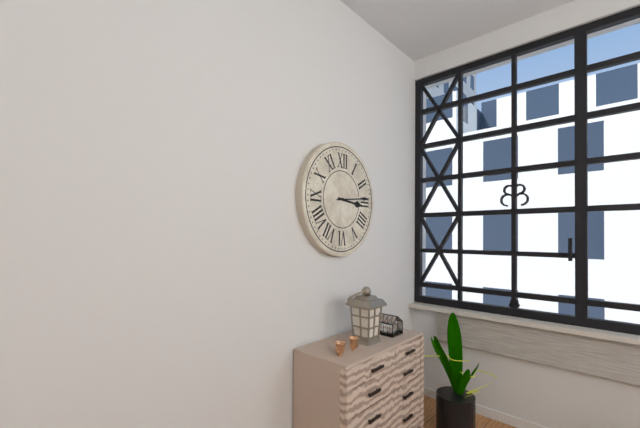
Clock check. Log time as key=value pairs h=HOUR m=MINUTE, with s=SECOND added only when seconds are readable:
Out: h=3 m=14
